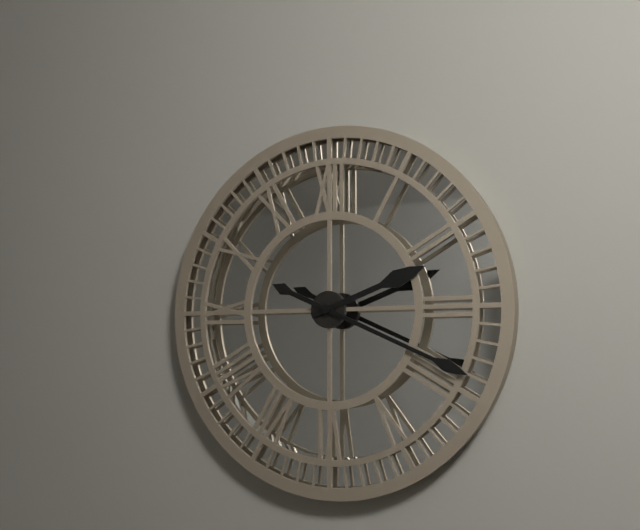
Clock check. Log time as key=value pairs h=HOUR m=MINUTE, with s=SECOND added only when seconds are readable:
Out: h=2 m=19
